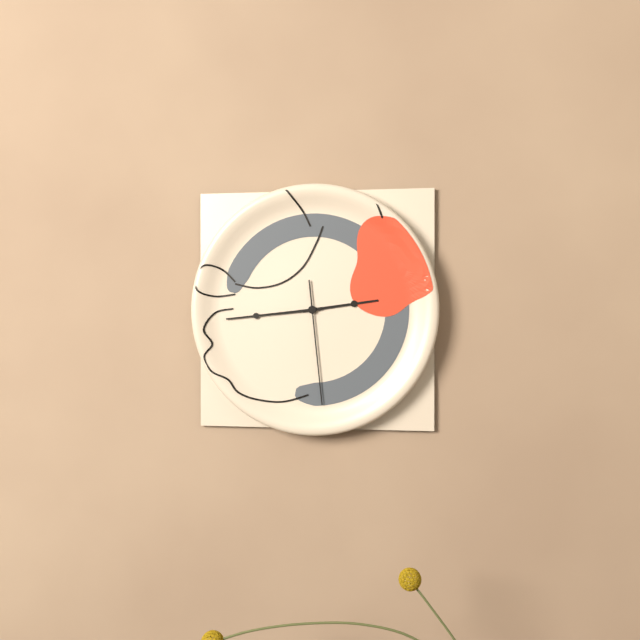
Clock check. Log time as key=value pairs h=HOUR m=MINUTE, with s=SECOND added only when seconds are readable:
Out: h=2 m=44 s=29
